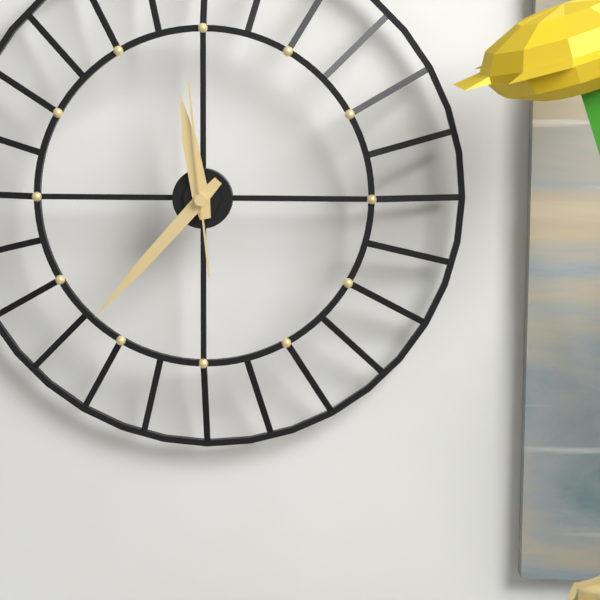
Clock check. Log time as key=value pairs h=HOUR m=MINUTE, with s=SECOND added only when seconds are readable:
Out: h=11 m=37 s=59
